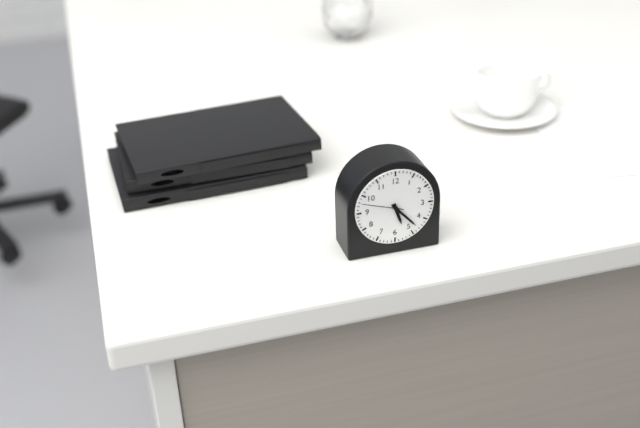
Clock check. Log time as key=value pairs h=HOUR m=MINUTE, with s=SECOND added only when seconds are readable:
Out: h=5 m=23
